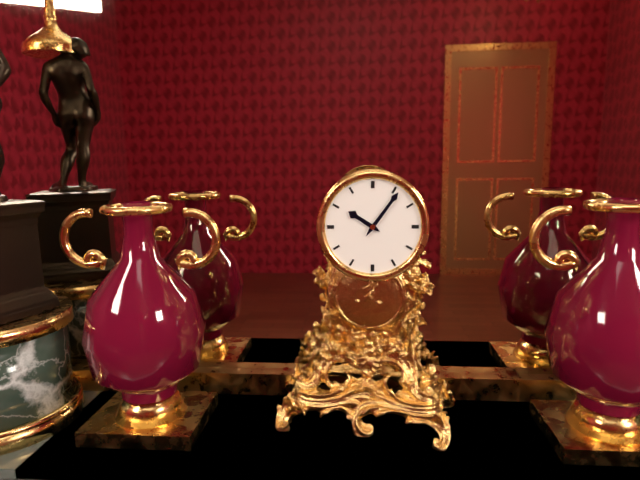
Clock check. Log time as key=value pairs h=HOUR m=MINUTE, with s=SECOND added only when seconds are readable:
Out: h=10 m=6
